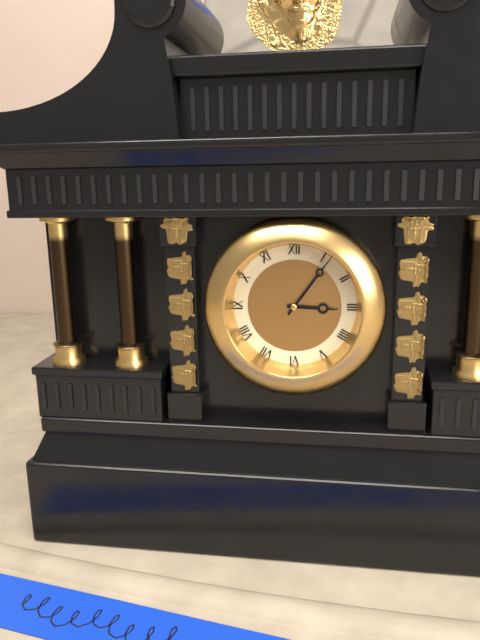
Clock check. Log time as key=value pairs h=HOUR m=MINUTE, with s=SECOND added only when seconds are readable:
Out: h=3 m=6
